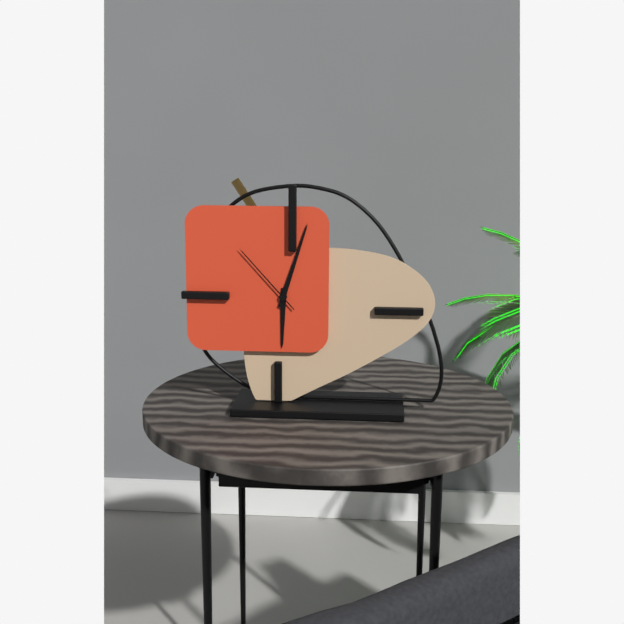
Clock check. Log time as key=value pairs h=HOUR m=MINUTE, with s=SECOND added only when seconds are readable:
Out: h=6 m=3 s=53
